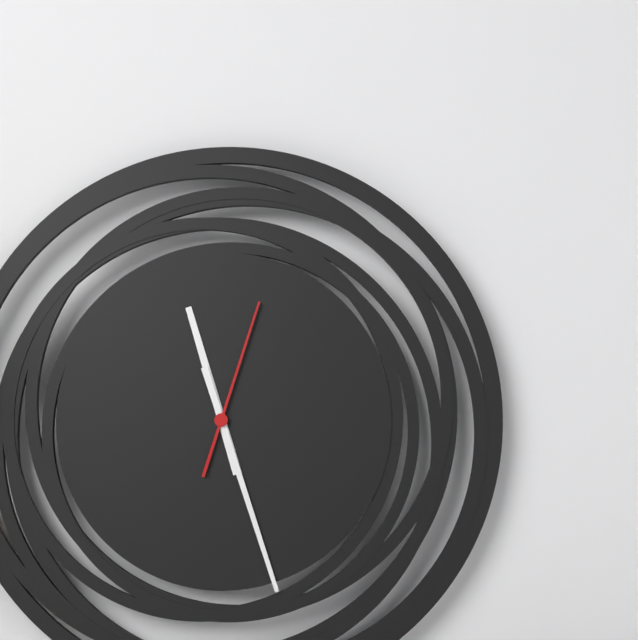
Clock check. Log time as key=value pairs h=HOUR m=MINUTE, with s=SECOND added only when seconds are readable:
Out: h=11 m=27 s=3
